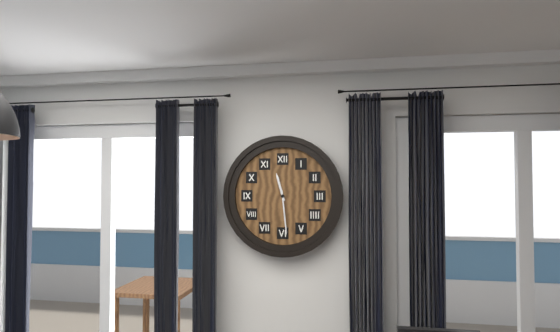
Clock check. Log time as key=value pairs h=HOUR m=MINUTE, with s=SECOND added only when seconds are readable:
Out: h=11 m=29
